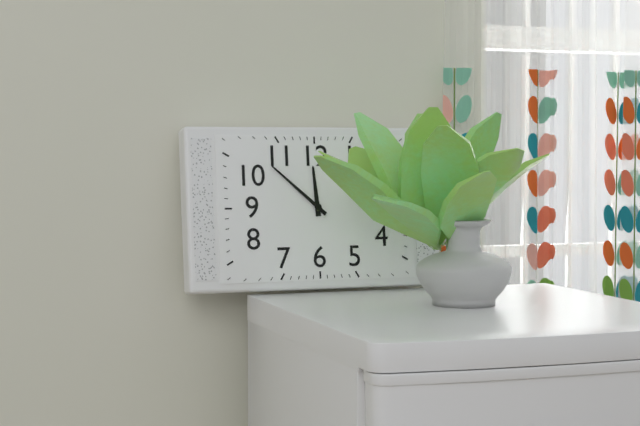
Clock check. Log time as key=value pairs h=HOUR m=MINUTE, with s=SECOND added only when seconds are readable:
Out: h=11 m=52
